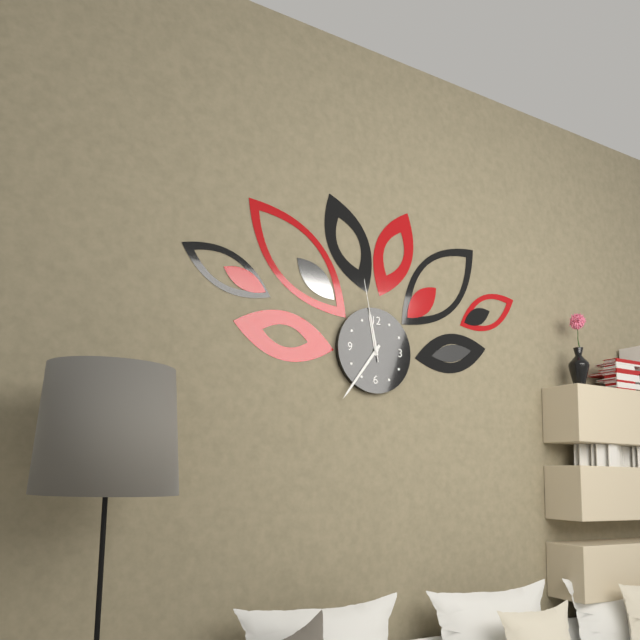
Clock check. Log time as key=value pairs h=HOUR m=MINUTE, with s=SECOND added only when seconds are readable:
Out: h=11 m=36 s=58
